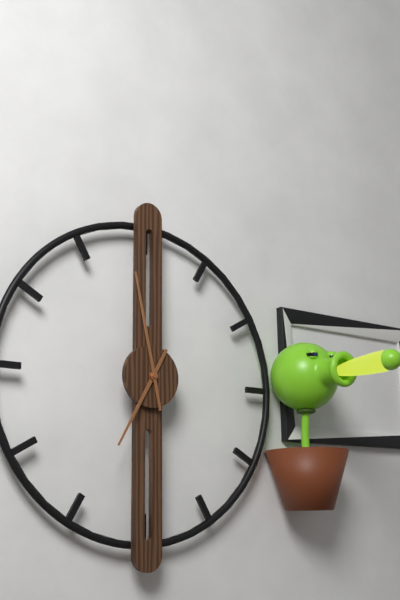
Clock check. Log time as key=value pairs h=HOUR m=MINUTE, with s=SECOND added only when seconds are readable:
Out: h=6 m=58
